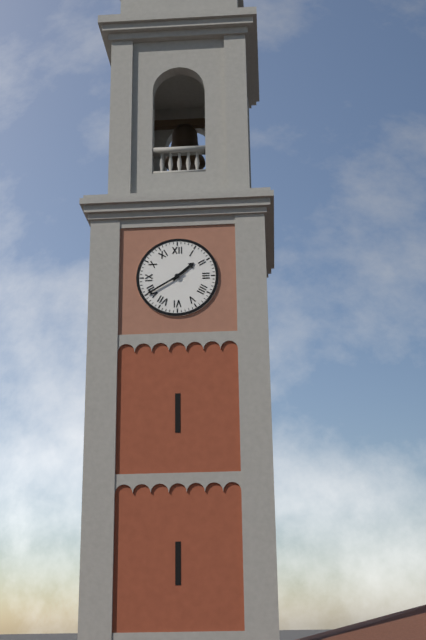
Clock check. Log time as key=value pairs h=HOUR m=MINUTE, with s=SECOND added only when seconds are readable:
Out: h=1 m=40
